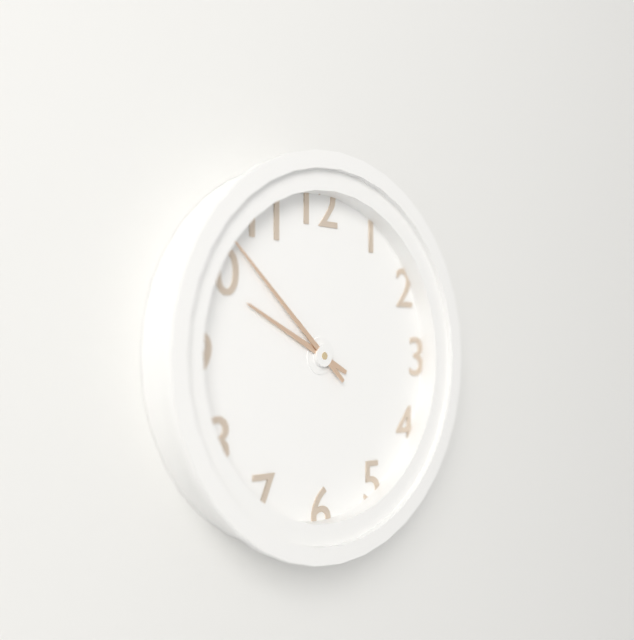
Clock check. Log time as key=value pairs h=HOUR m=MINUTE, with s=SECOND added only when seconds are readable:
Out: h=9 m=52
